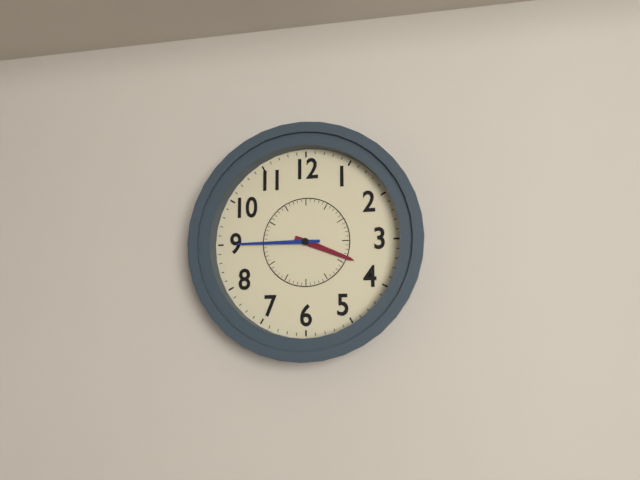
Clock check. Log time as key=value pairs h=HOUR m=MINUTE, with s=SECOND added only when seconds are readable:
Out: h=3 m=45
